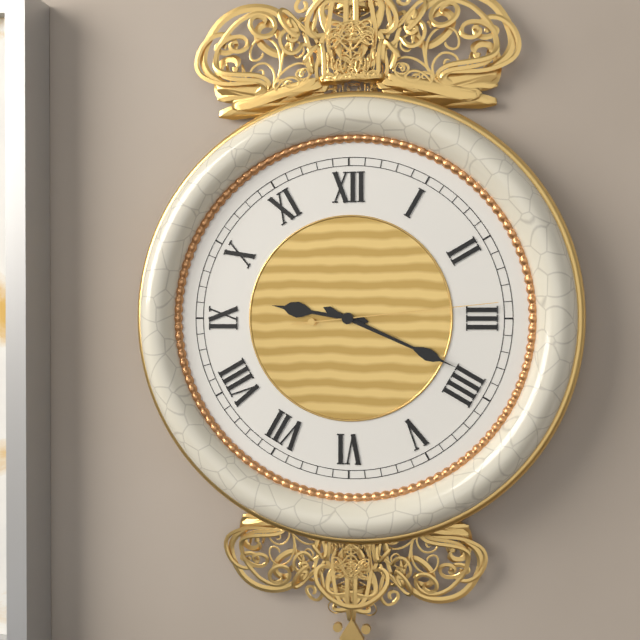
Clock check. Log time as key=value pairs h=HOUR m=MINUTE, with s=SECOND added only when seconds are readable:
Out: h=9 m=19 s=14
